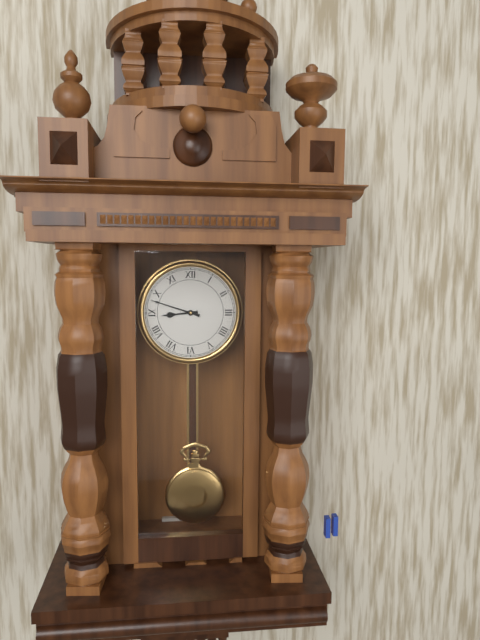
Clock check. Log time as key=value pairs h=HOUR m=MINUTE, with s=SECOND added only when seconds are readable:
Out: h=8 m=48
